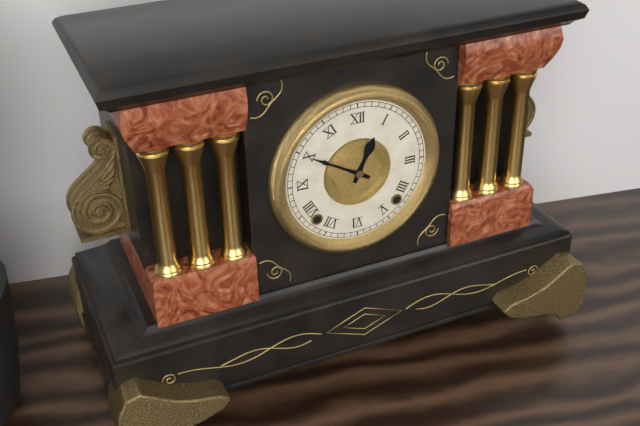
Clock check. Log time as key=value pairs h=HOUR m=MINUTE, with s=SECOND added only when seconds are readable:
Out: h=12 m=50
